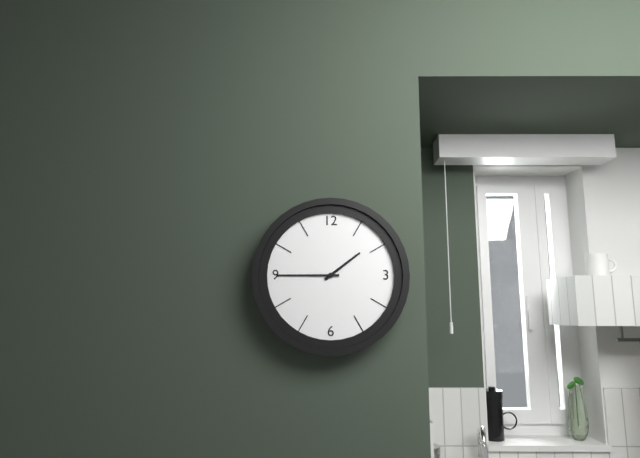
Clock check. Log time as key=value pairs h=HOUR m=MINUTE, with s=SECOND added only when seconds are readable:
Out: h=1 m=45
